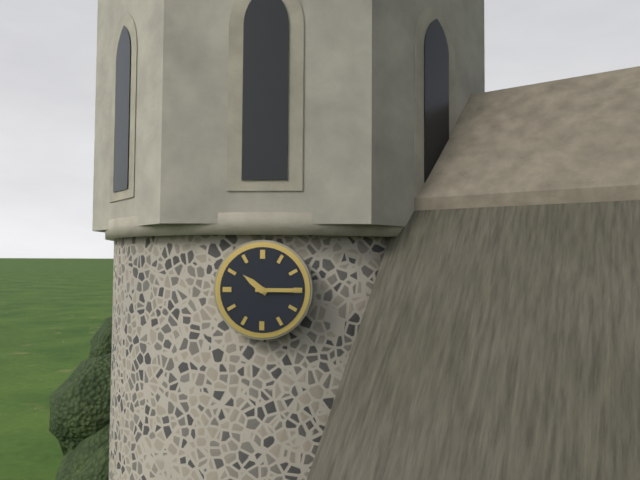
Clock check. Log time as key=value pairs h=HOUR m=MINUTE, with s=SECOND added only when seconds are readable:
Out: h=10 m=15
